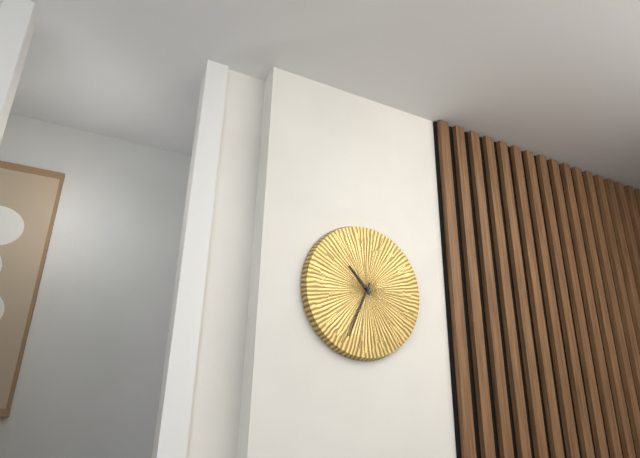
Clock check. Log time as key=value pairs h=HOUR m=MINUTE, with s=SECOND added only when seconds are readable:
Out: h=10 m=34
